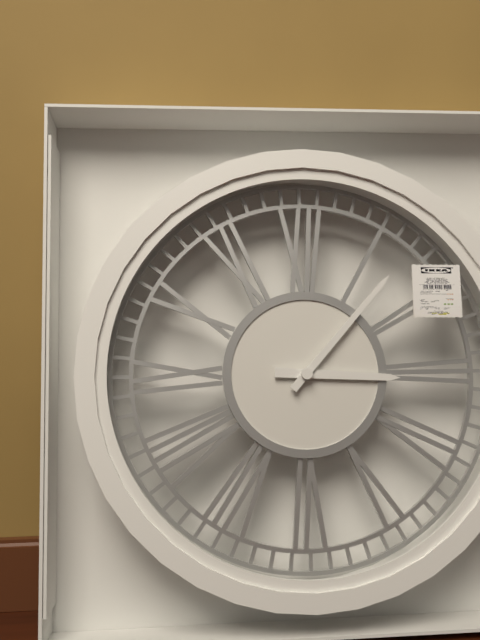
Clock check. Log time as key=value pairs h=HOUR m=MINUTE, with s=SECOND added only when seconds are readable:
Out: h=3 m=7
